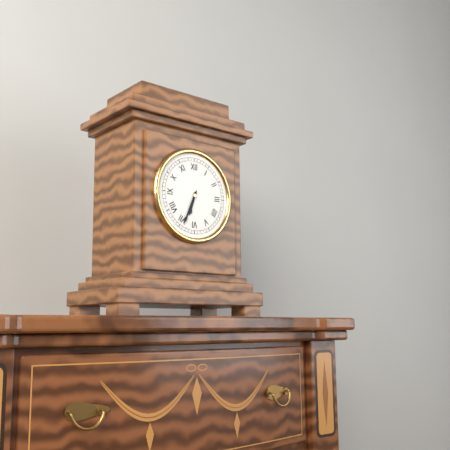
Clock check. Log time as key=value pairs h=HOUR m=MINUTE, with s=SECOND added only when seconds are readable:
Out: h=6 m=34
